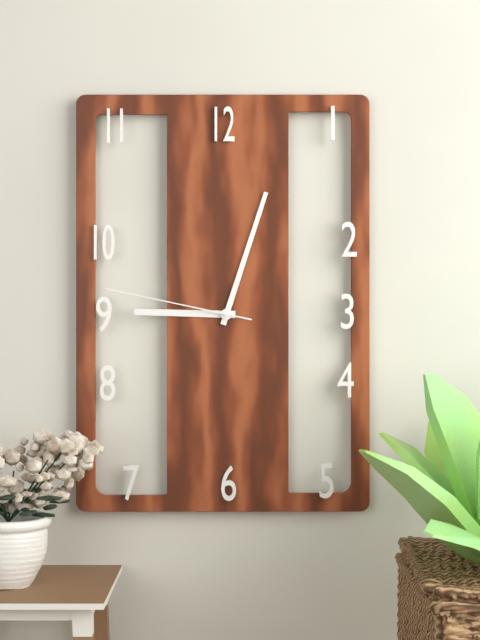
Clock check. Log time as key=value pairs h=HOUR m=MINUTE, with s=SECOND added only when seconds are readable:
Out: h=9 m=3 s=47
